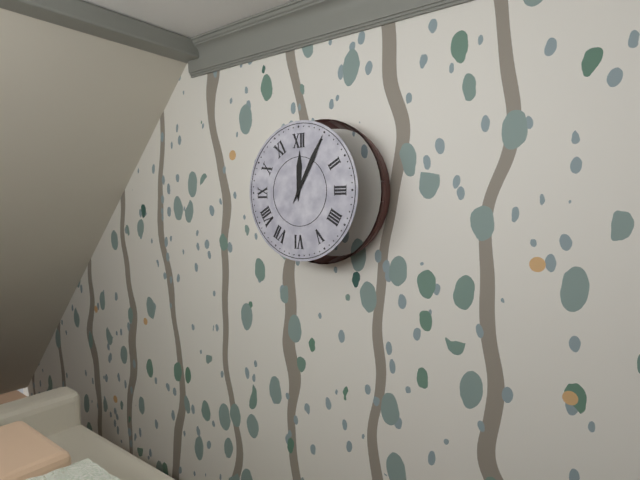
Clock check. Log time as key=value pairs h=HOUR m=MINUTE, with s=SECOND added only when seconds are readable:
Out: h=12 m=5
